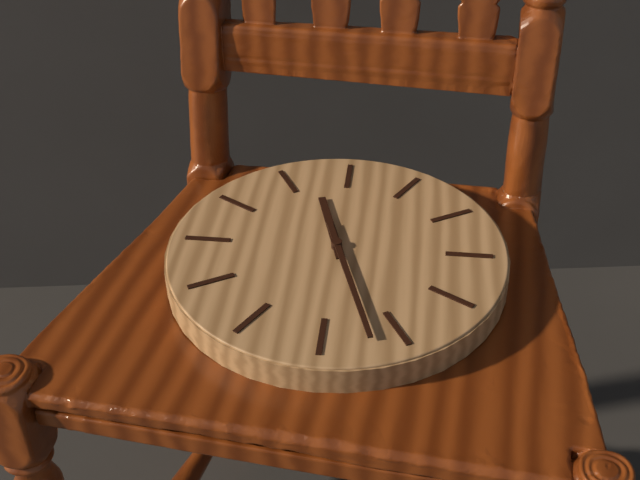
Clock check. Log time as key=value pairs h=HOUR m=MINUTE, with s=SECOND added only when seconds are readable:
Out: h=11 m=27
